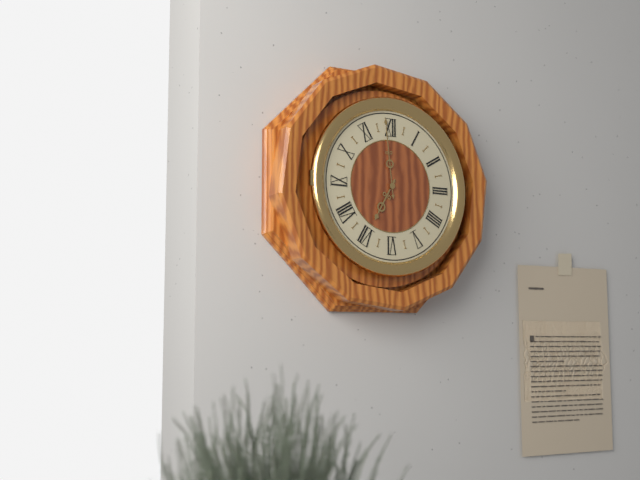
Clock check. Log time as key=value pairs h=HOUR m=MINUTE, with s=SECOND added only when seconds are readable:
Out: h=6 m=59
